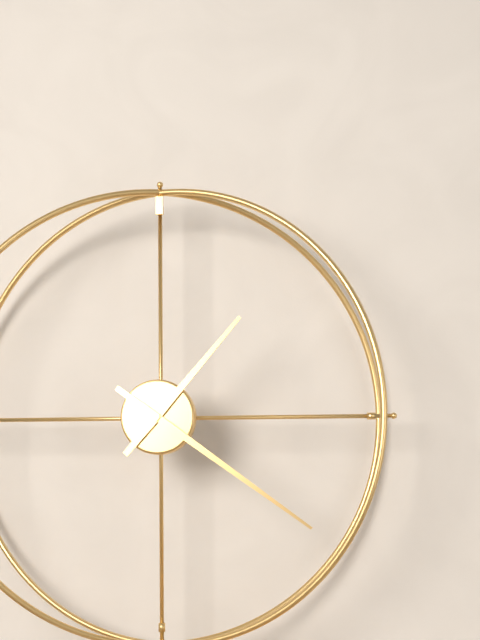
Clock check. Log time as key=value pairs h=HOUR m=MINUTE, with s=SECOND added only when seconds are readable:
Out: h=1 m=21
